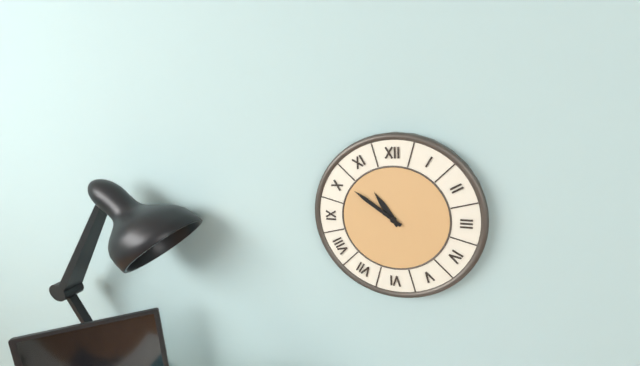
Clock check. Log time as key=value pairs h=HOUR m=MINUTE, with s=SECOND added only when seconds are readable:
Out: h=10 m=51
